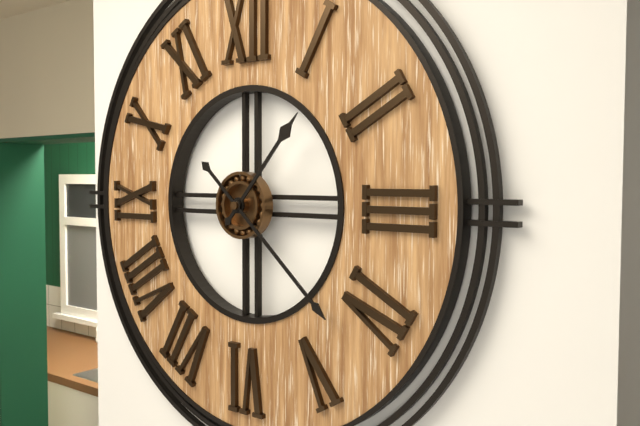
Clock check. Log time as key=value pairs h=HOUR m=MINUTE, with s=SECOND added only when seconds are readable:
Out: h=1 m=22
